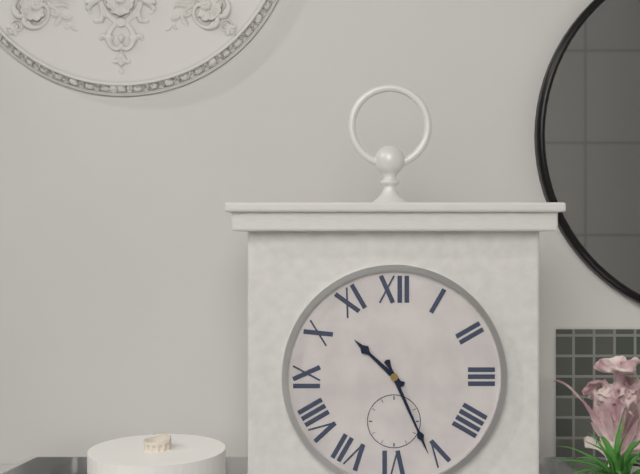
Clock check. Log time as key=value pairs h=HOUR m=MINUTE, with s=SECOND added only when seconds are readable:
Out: h=10 m=26
